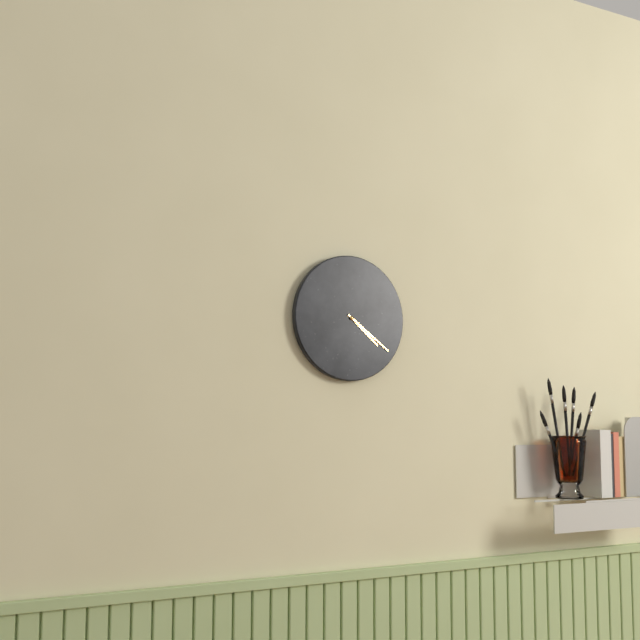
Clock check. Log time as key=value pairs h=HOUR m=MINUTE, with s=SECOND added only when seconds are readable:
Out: h=4 m=21
